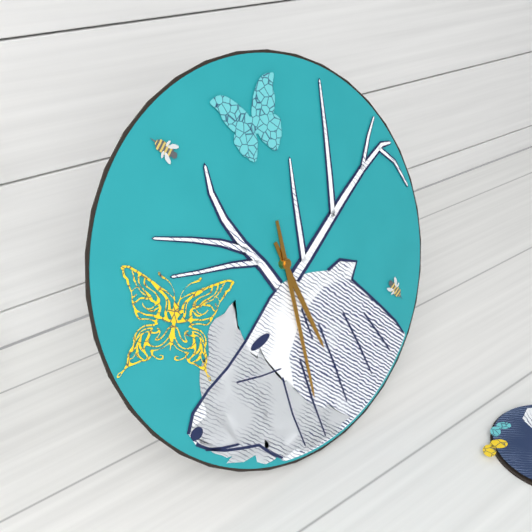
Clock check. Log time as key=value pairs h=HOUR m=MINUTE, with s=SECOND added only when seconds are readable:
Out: h=5 m=30
